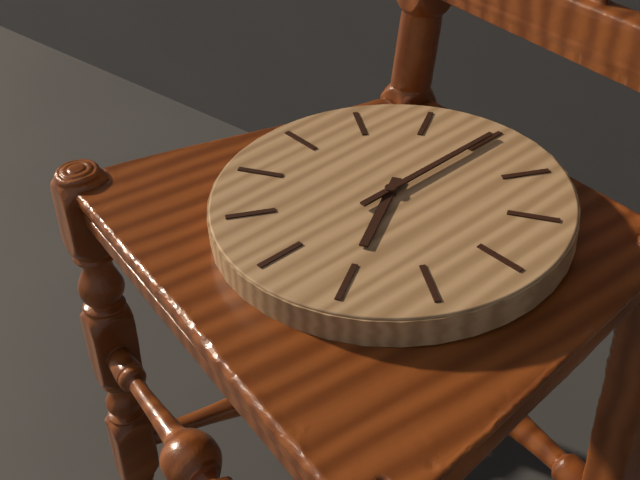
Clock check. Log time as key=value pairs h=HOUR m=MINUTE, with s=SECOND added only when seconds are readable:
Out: h=5 m=0
